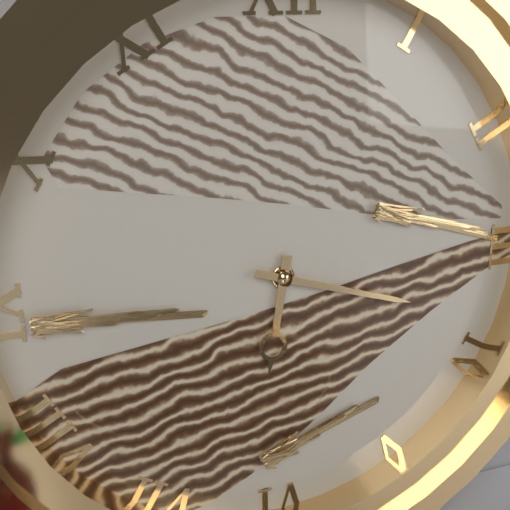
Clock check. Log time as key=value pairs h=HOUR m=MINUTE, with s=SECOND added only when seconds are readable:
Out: h=6 m=18
